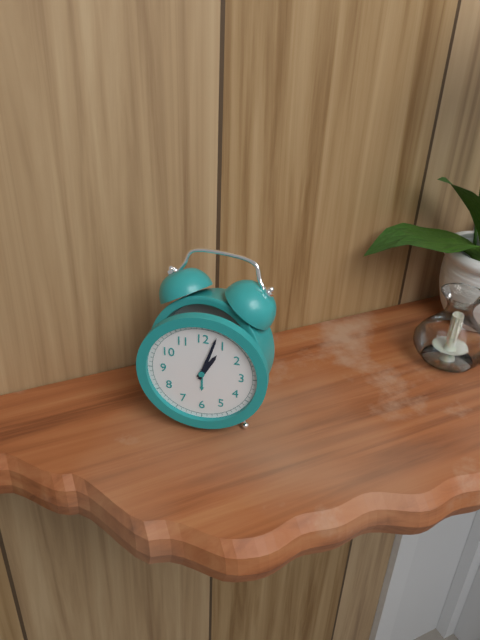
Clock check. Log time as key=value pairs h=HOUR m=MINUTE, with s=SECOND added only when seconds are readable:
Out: h=1 m=3
